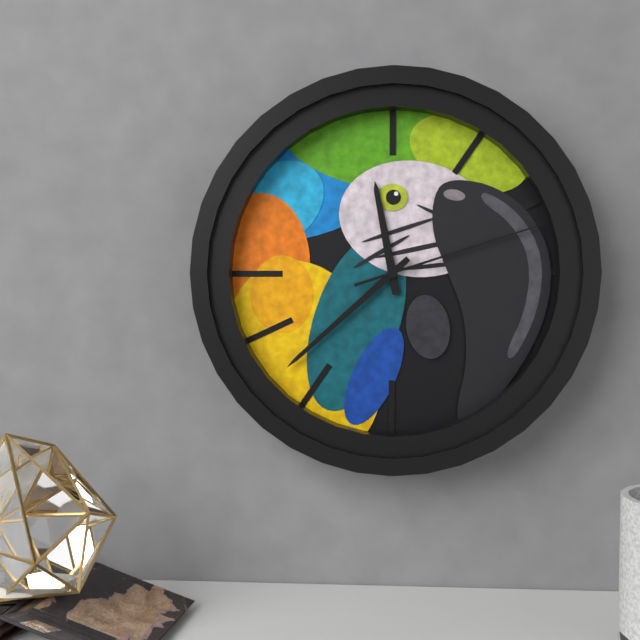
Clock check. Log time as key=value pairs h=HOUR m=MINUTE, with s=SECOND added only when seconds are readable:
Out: h=11 m=38 s=12
